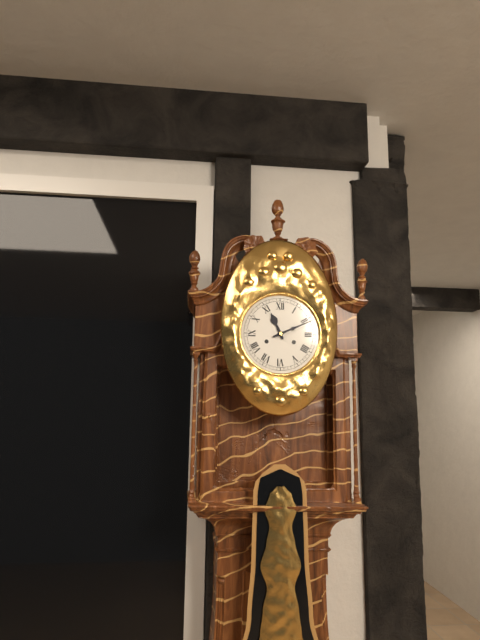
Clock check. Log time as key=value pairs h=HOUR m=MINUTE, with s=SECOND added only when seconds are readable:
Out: h=11 m=11
